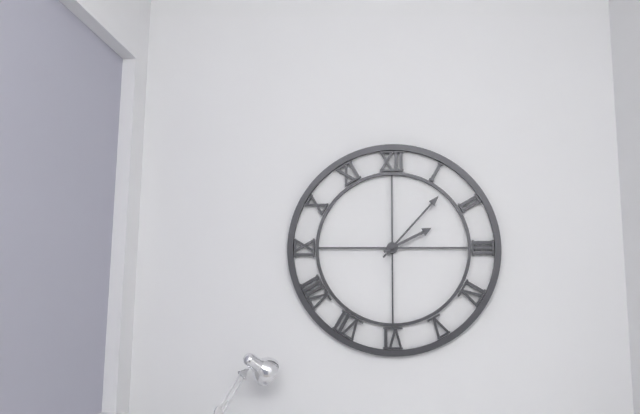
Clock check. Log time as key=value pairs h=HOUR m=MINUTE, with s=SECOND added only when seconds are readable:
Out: h=2 m=7
